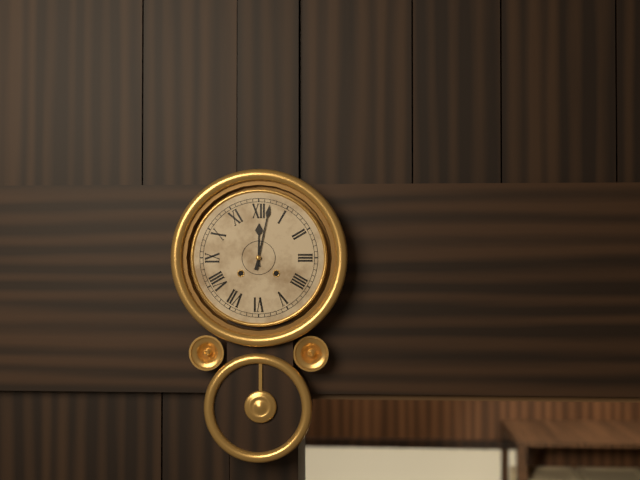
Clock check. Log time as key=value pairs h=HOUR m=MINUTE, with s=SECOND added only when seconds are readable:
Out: h=12 m=2
